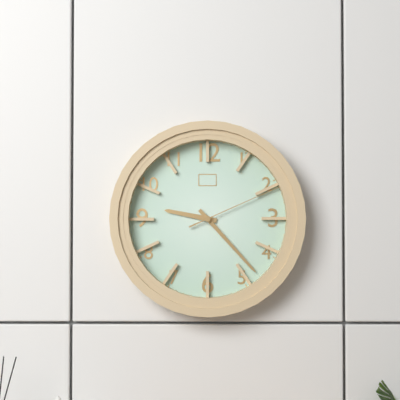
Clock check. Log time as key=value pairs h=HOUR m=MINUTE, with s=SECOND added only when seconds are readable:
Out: h=9 m=23 s=11
